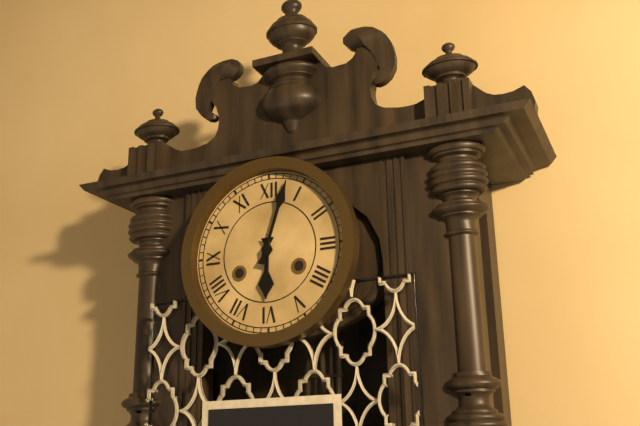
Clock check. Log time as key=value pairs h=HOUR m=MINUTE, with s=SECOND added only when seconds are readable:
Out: h=6 m=3
